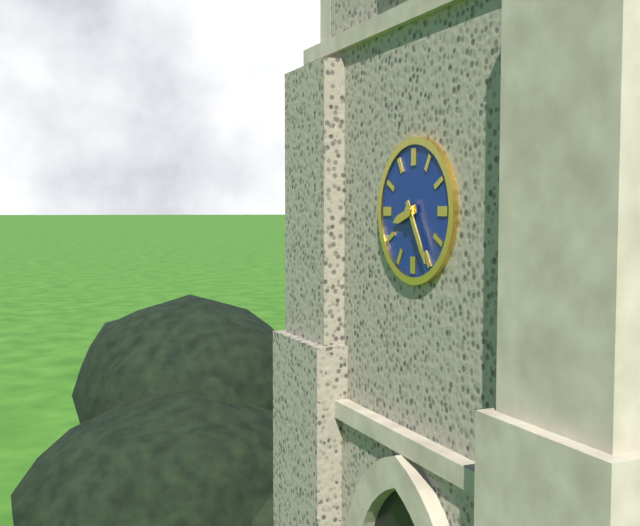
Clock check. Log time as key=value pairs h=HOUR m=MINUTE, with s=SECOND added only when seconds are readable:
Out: h=8 m=25
